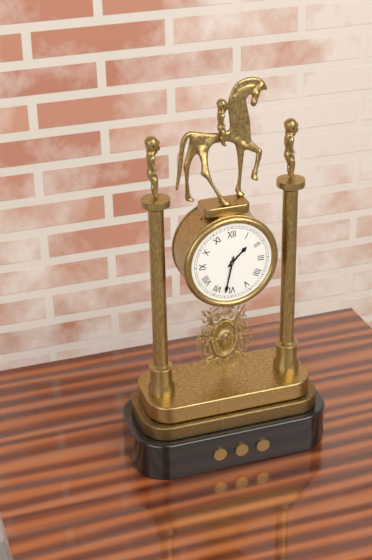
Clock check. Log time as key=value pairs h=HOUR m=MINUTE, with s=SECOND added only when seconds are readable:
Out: h=1 m=32
